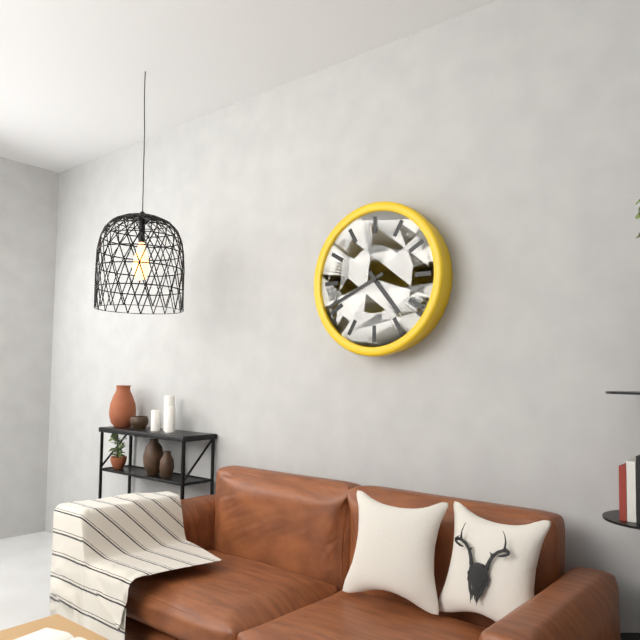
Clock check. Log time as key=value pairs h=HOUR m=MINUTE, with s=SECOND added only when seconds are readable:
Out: h=4 m=41
